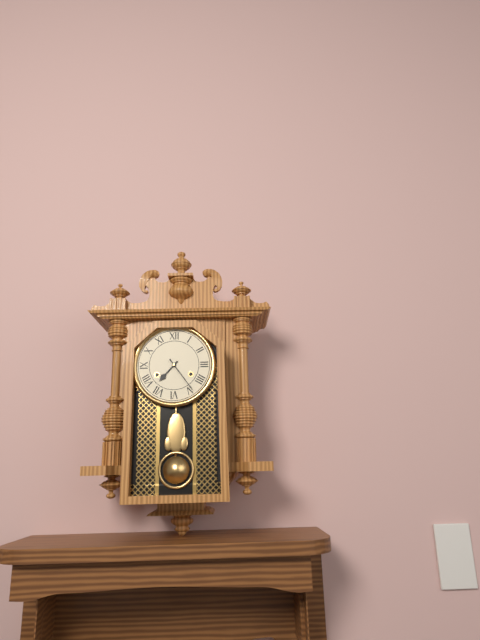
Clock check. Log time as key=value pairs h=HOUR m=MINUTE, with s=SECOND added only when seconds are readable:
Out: h=7 m=24
